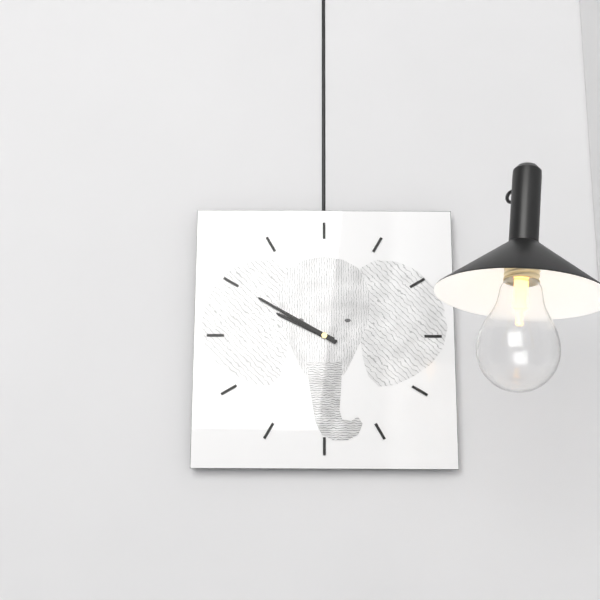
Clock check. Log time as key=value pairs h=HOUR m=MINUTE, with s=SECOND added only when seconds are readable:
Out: h=9 m=50
